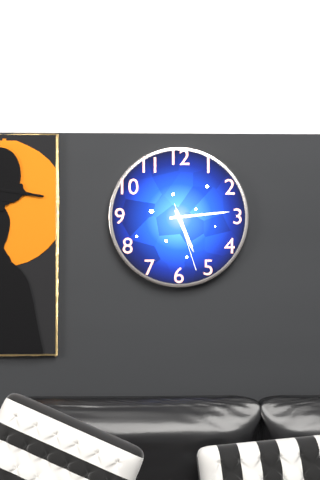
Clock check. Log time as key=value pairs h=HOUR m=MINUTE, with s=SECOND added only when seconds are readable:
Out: h=5 m=14 s=27
